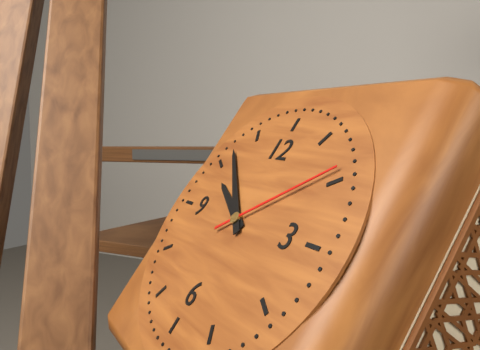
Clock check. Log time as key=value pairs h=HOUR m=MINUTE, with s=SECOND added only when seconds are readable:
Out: h=9 m=52 s=9
